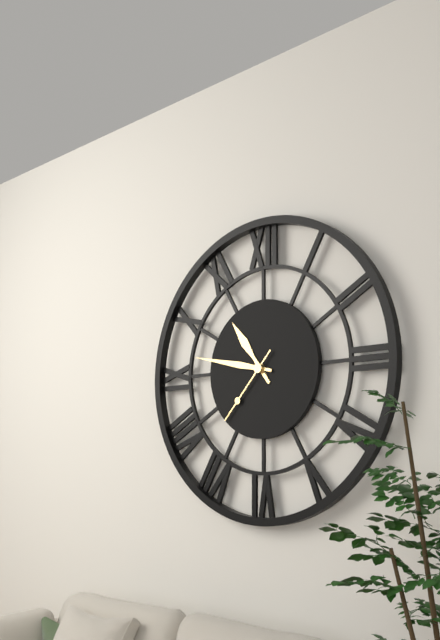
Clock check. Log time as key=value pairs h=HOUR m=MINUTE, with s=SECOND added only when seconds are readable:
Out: h=10 m=47 s=37
